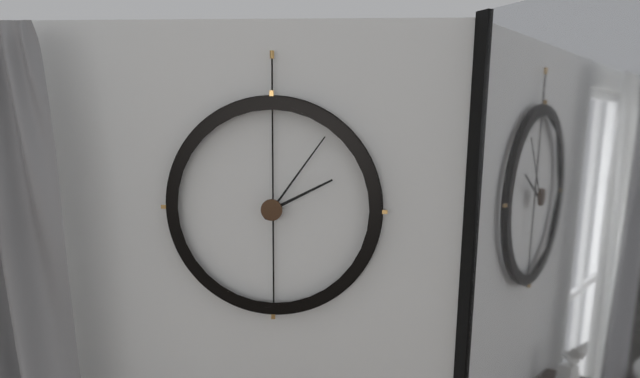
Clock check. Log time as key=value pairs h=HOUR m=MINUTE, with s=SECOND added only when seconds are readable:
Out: h=2 m=6
